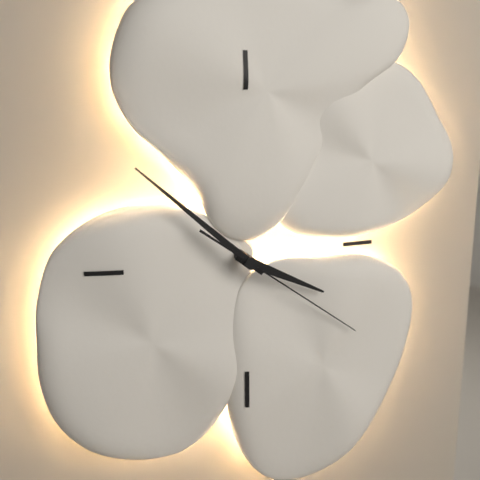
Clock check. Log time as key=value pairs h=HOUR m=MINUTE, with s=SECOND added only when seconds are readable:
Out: h=3 m=52 s=21
